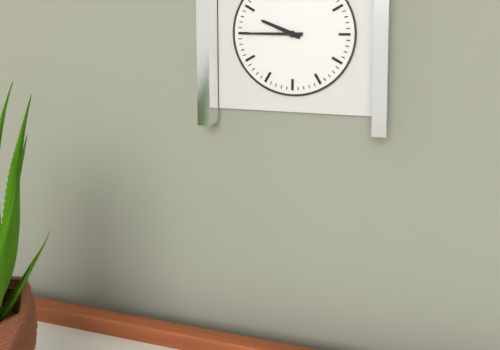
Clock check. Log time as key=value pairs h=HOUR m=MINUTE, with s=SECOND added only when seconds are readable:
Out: h=9 m=45
